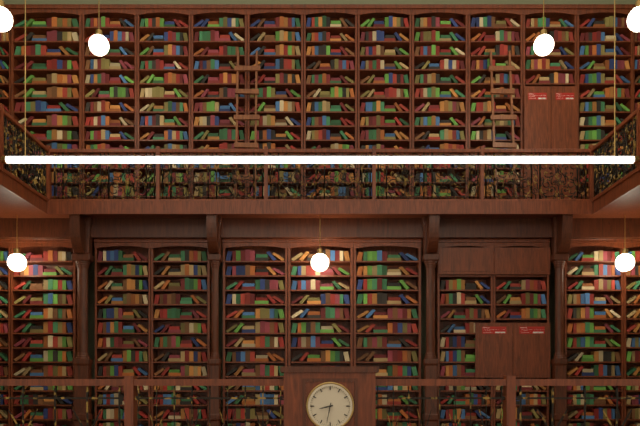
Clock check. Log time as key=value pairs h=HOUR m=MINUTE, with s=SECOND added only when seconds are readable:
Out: h=8 m=32
